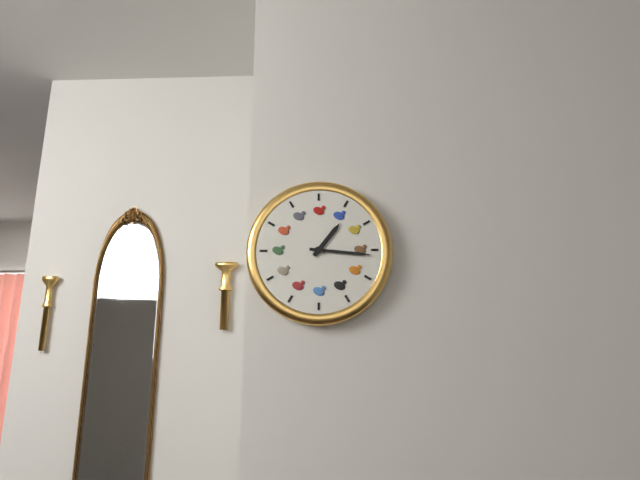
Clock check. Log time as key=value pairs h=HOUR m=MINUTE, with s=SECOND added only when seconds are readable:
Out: h=1 m=16
